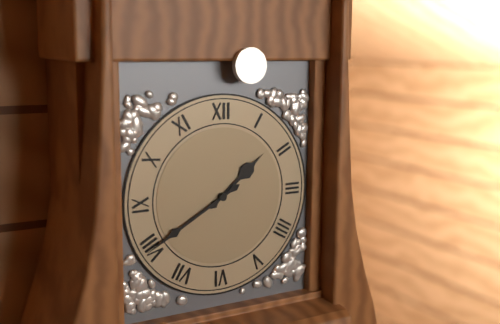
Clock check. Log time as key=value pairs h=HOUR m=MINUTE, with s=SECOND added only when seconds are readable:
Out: h=1 m=40
